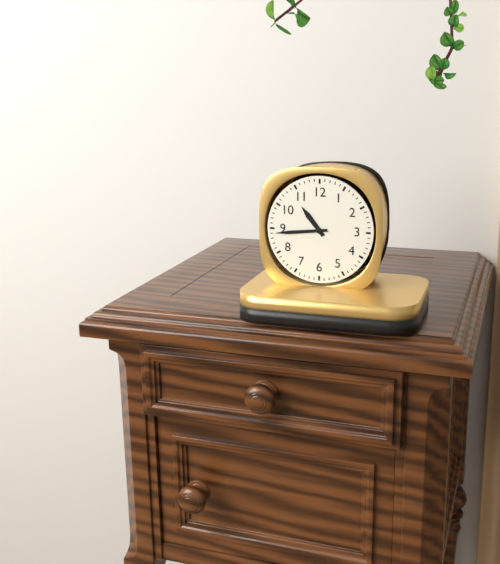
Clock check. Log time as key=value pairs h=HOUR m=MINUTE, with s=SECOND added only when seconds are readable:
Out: h=10 m=44
